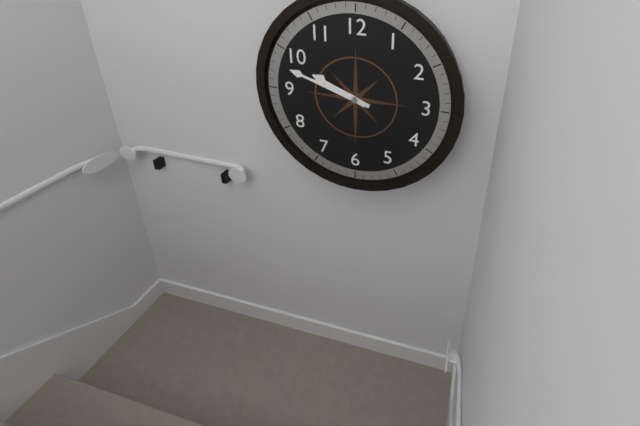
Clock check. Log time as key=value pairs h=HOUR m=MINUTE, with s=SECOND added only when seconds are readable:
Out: h=9 m=48
